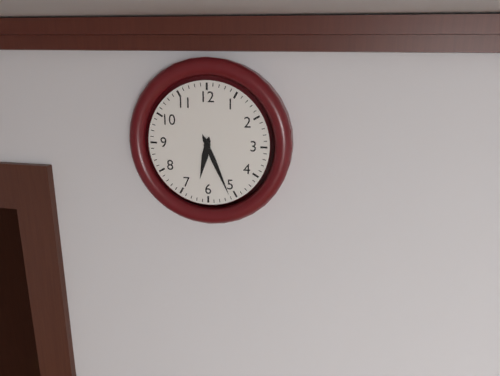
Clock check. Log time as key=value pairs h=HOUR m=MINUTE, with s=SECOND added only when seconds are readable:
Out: h=6 m=26
